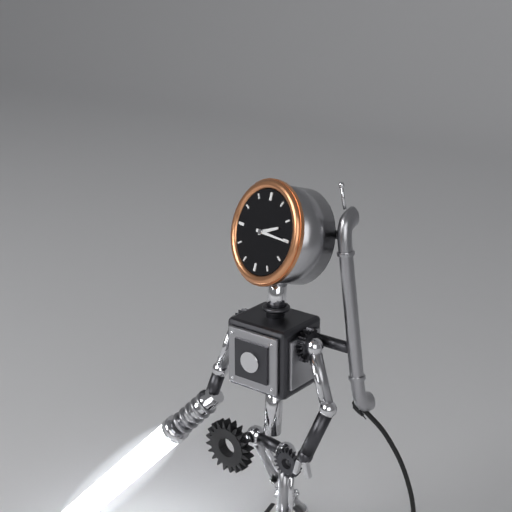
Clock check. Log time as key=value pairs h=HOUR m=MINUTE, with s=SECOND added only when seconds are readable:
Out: h=2 m=15
